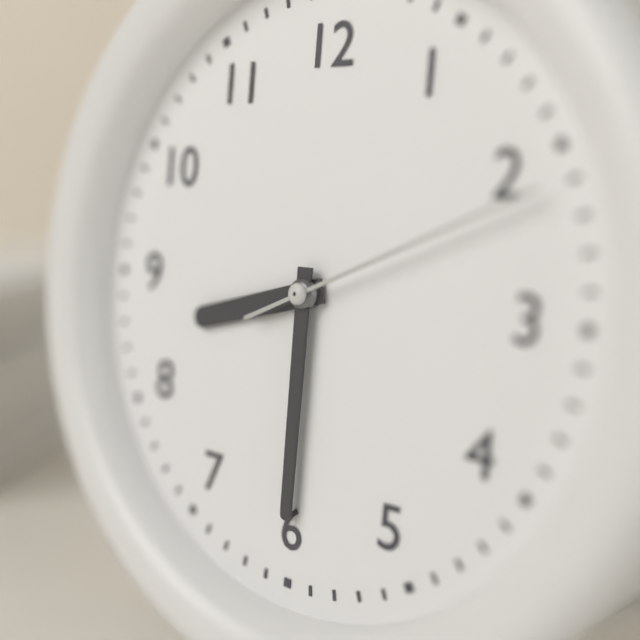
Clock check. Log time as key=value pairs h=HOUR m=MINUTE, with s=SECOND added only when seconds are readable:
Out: h=8 m=30 s=11
